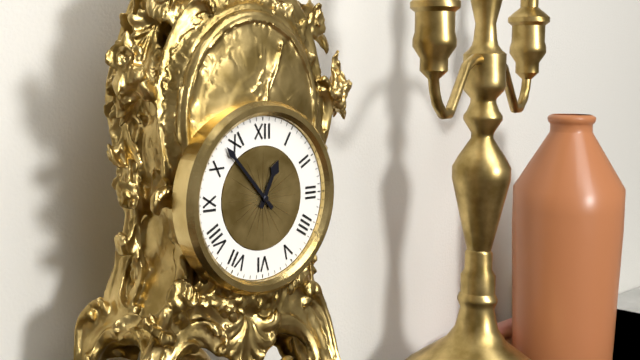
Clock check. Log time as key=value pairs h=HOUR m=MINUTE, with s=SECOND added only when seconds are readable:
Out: h=12 m=53
